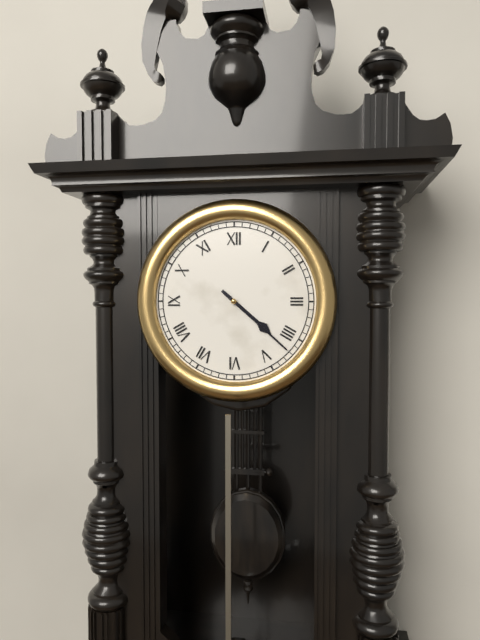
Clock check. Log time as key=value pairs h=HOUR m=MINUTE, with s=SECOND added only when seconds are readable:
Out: h=4 m=22
